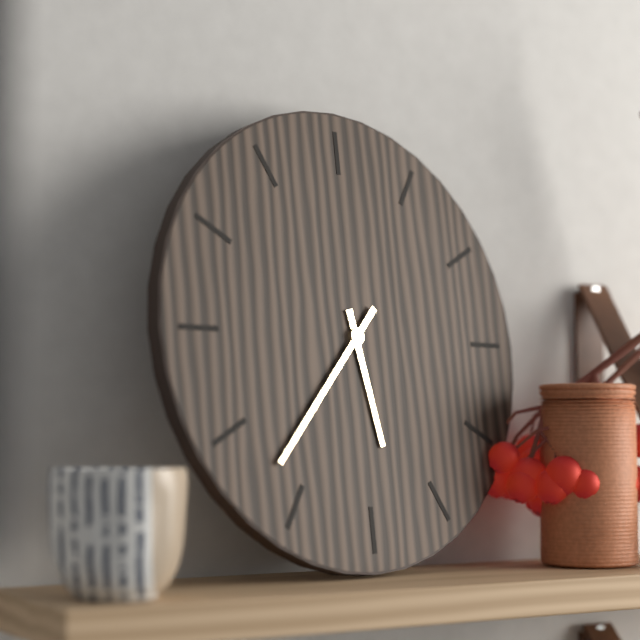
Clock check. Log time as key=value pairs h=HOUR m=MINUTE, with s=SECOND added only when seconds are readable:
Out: h=5 m=37
